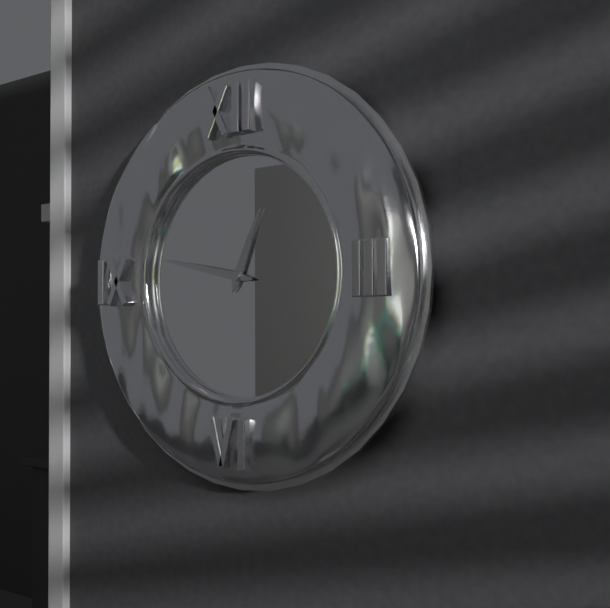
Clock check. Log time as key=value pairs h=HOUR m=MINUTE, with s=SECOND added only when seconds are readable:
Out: h=12 m=47
